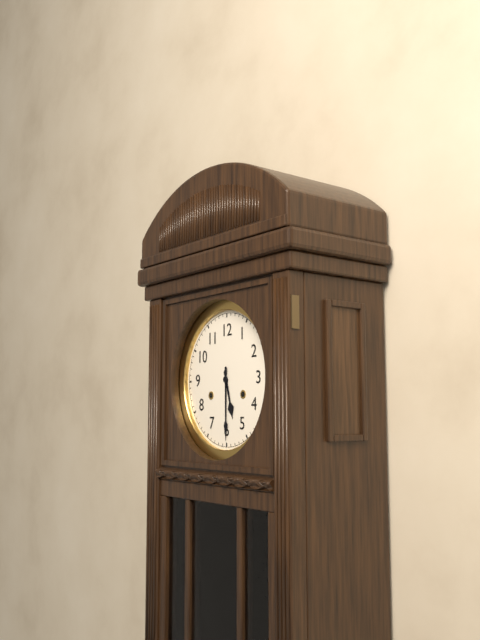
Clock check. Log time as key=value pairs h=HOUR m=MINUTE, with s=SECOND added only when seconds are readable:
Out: h=5 m=30
